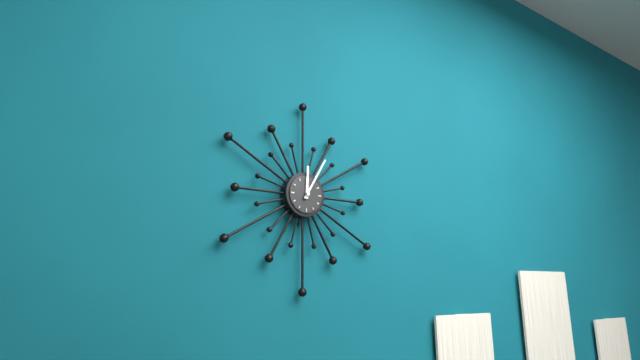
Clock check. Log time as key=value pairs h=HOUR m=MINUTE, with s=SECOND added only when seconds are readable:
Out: h=12 m=5
